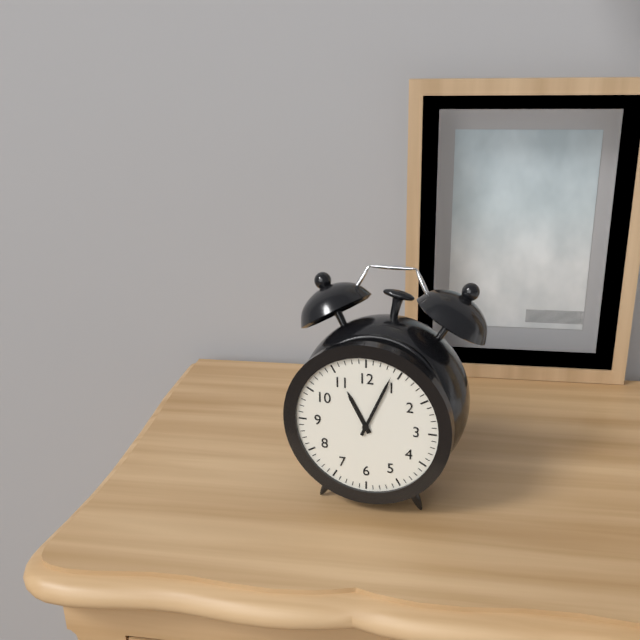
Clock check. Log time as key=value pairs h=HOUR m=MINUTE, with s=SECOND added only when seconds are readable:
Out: h=11 m=4
